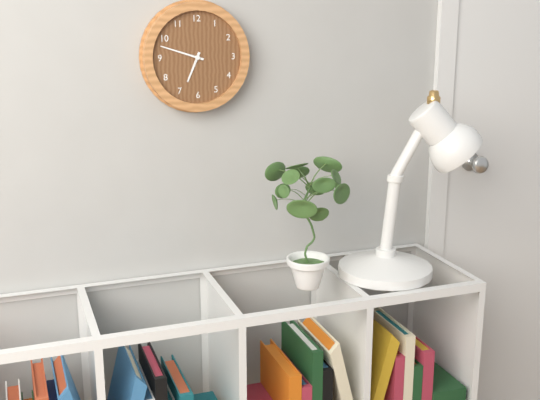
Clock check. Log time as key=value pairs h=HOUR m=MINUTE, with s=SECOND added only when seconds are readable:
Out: h=6 m=48
